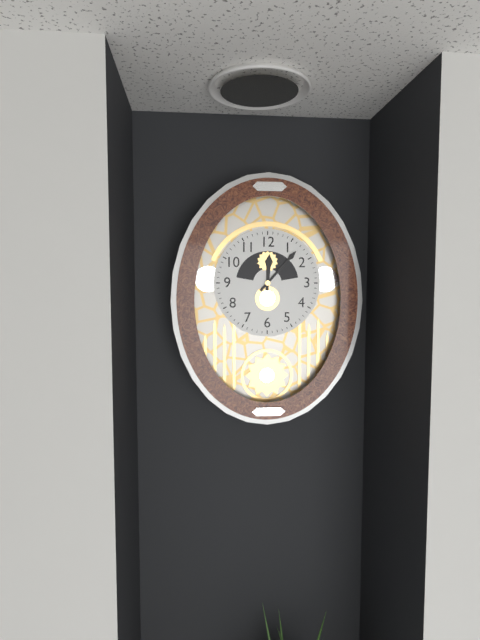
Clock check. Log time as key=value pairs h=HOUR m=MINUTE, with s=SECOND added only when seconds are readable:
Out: h=12 m=7
